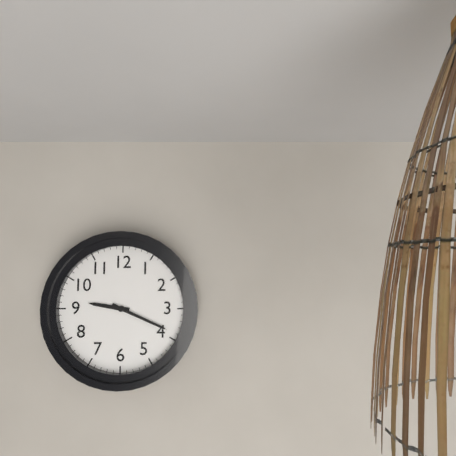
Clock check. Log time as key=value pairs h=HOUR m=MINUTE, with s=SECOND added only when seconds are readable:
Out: h=9 m=19
